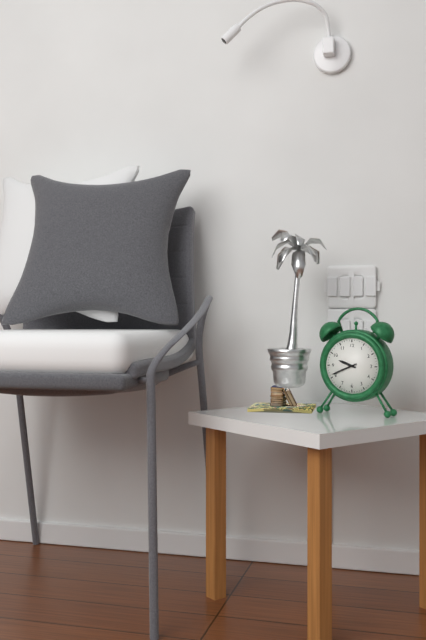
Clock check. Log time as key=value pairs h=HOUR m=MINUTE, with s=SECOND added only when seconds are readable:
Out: h=9 m=41
